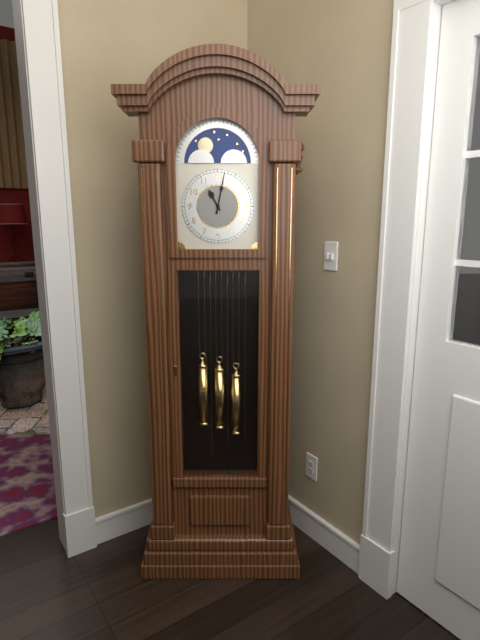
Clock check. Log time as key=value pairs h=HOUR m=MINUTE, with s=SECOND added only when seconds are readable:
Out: h=11 m=2
